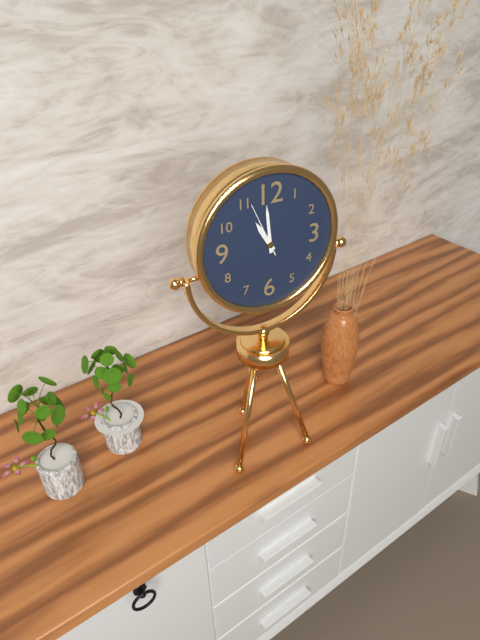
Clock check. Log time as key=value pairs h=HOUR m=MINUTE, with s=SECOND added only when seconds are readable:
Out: h=10 m=59 s=56
